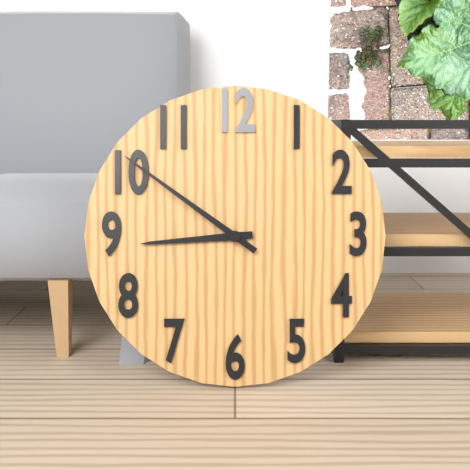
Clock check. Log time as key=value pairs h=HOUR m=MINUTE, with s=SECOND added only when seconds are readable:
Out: h=8 m=51
